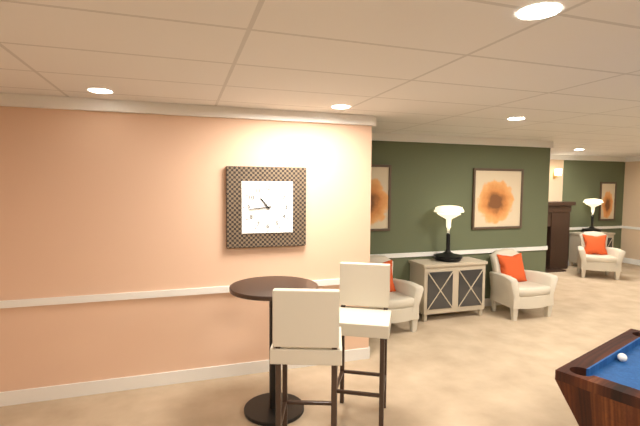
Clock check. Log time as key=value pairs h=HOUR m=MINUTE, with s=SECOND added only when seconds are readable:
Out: h=10 m=44
